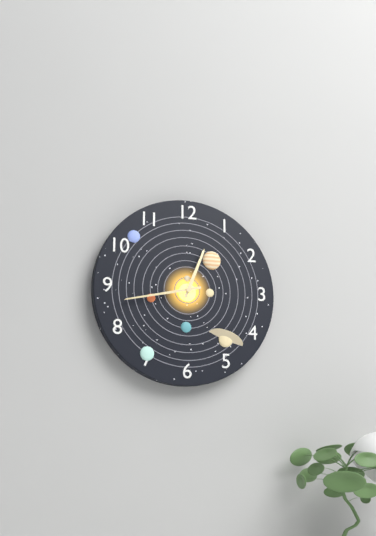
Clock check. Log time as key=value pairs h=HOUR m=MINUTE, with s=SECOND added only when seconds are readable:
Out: h=12 m=43
